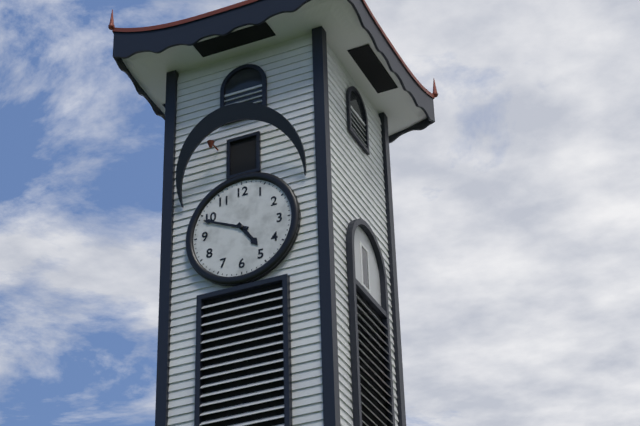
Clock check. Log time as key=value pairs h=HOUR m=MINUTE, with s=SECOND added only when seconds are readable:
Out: h=4 m=49
